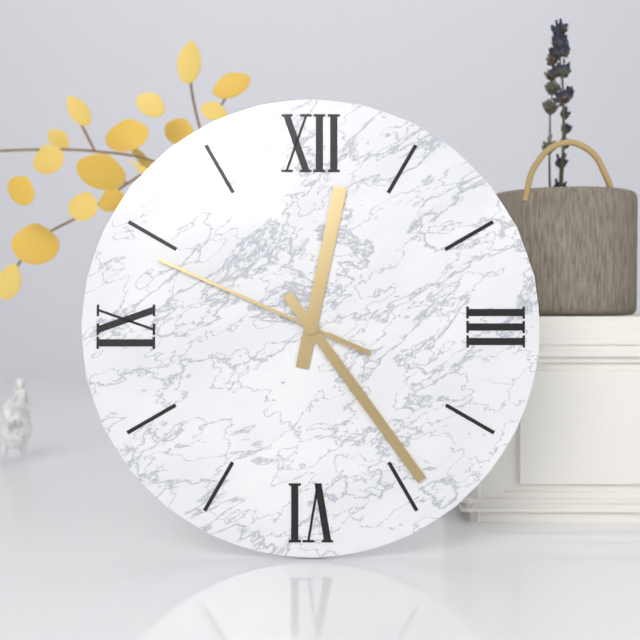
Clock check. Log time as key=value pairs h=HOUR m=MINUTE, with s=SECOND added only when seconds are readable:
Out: h=12 m=24 s=49
